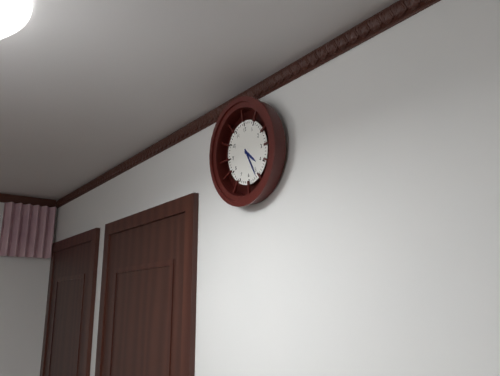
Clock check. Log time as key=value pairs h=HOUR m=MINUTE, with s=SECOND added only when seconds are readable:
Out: h=4 m=26
